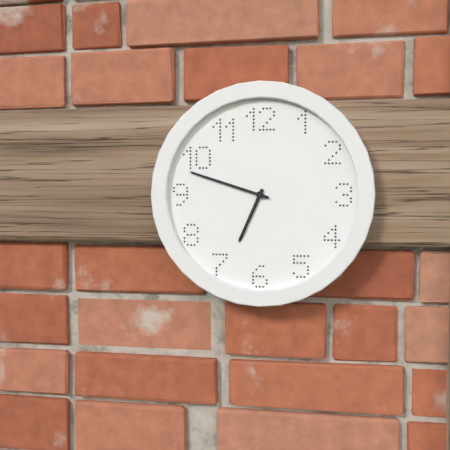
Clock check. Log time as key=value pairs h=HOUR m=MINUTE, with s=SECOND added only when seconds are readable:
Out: h=6 m=48
